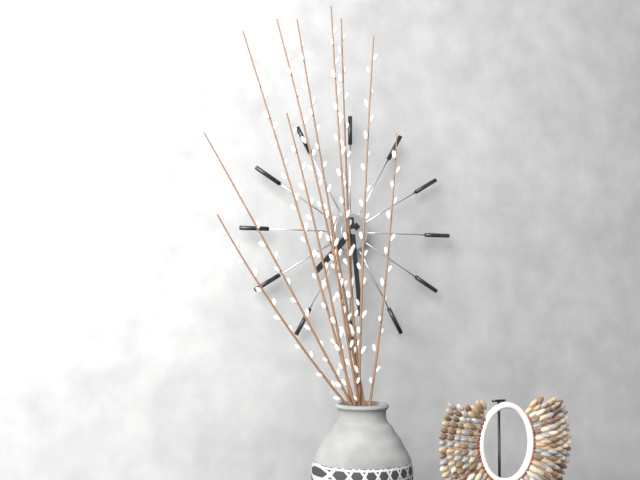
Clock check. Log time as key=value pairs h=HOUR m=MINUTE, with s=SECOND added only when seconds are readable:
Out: h=7 m=29
